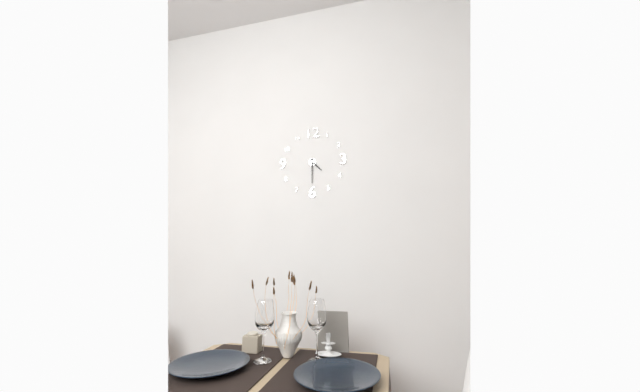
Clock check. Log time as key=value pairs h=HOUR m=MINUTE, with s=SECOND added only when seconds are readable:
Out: h=4 m=30
